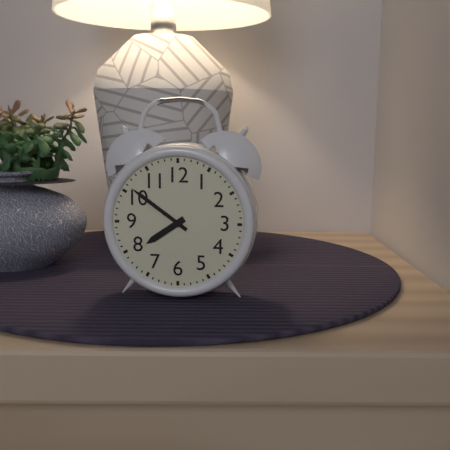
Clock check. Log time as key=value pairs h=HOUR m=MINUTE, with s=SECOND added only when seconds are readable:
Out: h=7 m=51
